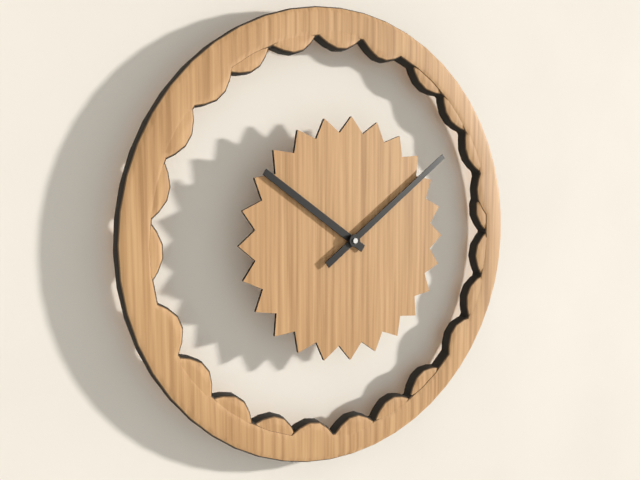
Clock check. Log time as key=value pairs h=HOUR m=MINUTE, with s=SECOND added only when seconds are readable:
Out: h=10 m=9
